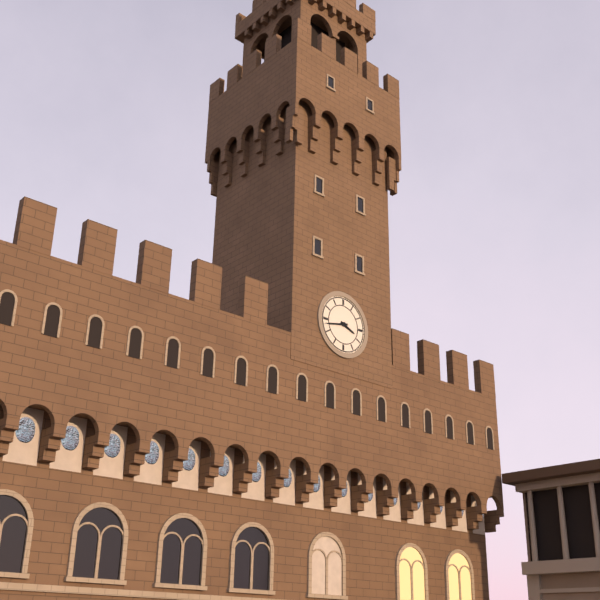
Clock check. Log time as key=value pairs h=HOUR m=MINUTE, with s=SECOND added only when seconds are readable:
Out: h=3 m=43
